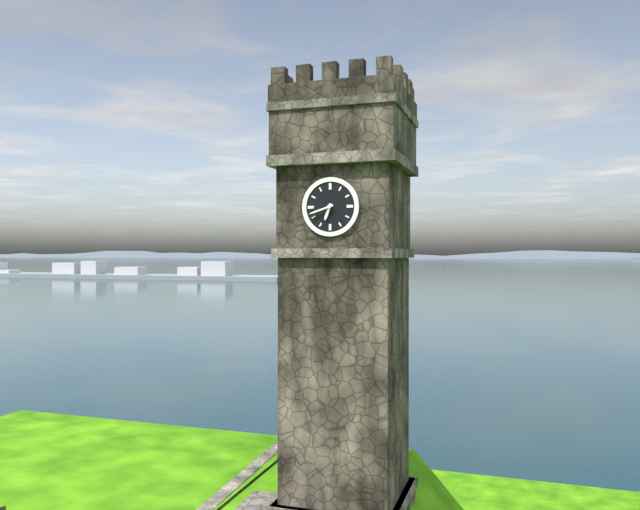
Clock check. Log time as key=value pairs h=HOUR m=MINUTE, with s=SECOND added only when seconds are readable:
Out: h=6 m=42
